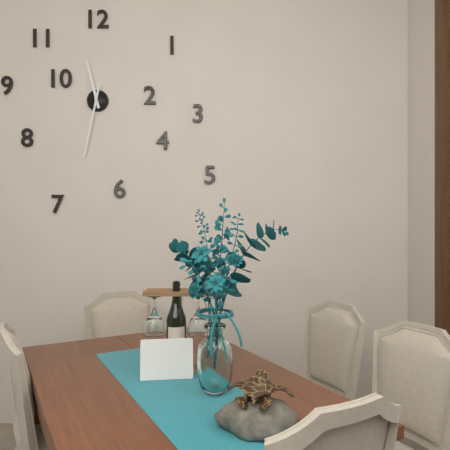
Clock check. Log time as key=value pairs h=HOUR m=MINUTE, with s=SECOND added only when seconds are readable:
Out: h=11 m=32
